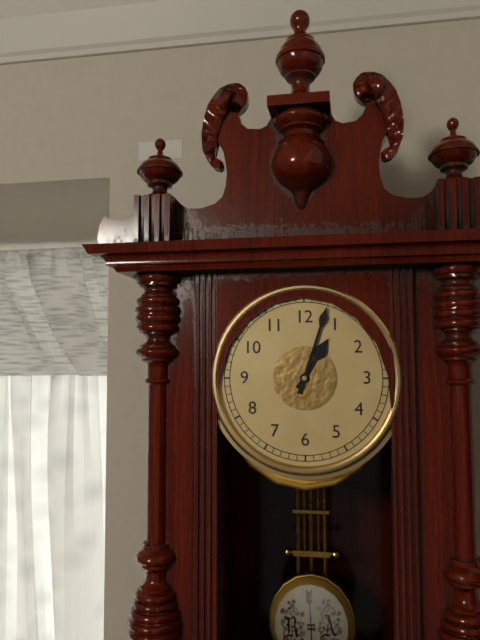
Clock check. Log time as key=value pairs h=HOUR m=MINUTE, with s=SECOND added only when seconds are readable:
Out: h=1 m=3
